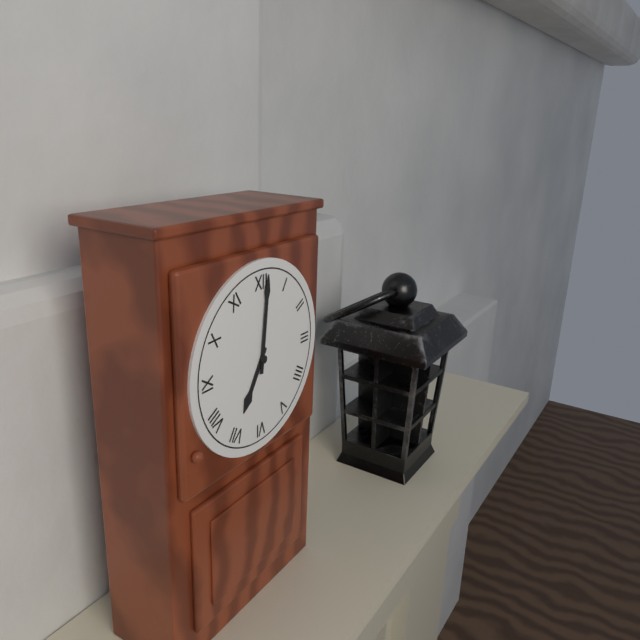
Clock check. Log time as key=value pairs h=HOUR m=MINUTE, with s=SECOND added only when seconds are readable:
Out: h=7 m=1
